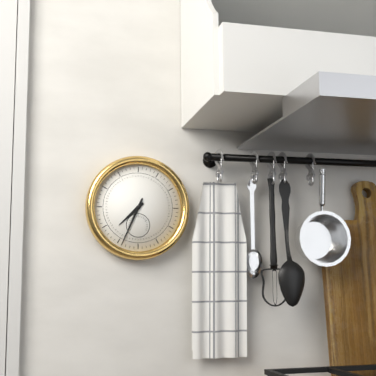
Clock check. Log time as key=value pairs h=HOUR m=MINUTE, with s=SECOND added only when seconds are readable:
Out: h=7 m=34
